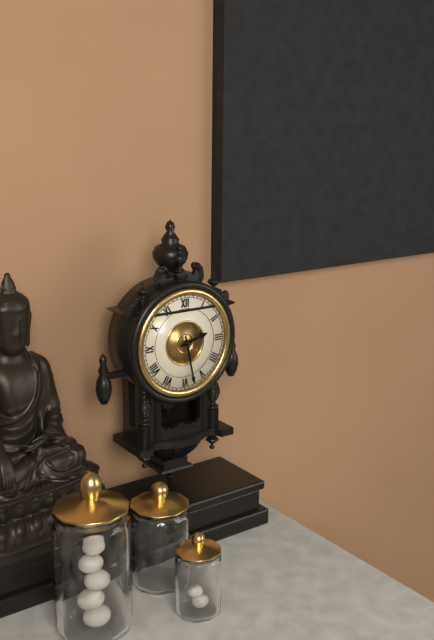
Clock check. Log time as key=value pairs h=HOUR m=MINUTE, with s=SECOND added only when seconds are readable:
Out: h=2 m=28
